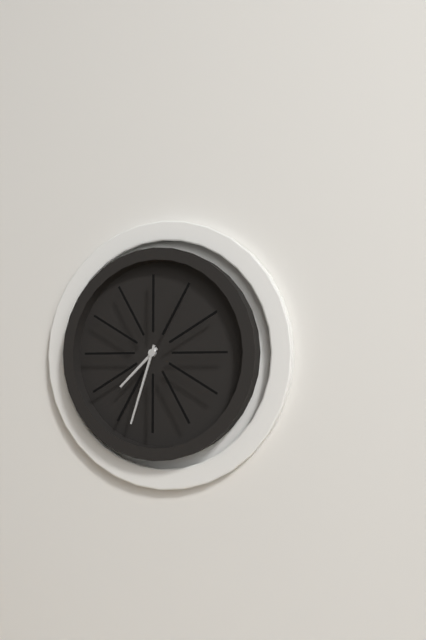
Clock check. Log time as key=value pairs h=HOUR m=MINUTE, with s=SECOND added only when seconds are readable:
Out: h=7 m=33
